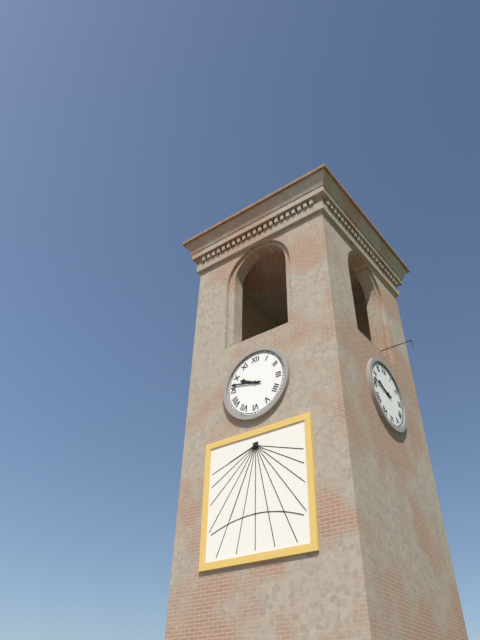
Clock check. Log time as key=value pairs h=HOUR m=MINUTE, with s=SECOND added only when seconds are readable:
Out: h=9 m=47
